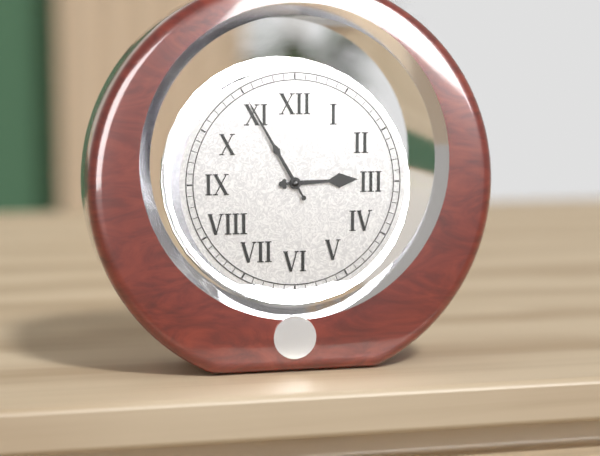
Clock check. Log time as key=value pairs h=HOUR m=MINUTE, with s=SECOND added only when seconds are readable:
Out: h=2 m=55
